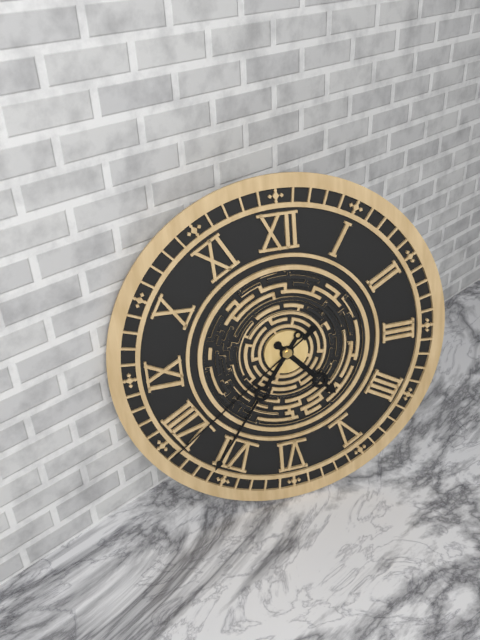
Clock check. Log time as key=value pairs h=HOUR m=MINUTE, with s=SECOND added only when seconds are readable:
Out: h=4 m=36 s=39
